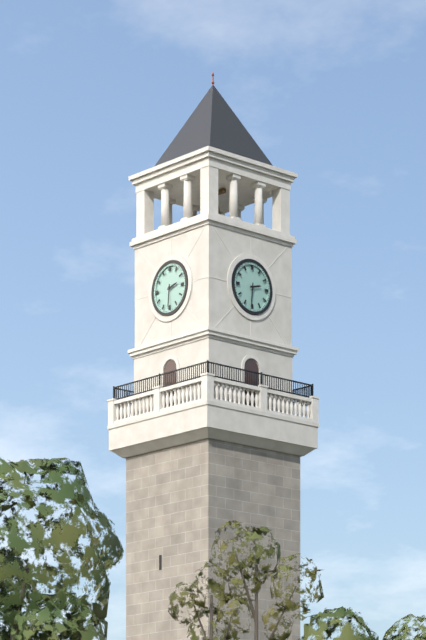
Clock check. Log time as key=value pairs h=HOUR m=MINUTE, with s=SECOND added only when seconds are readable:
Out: h=2 m=31
